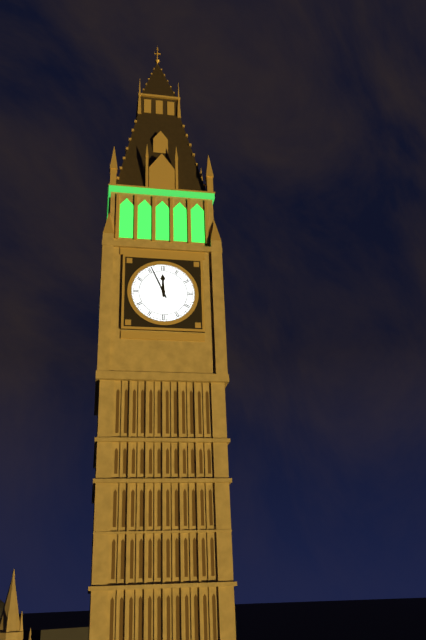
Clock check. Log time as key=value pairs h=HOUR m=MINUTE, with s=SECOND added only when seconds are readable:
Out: h=11 m=56
